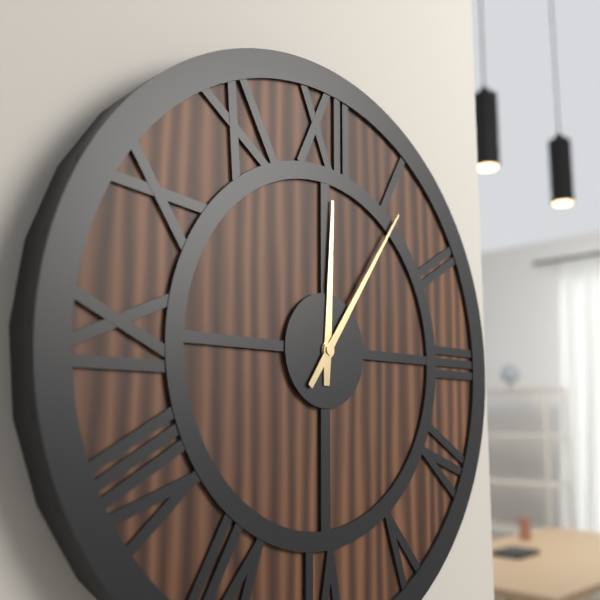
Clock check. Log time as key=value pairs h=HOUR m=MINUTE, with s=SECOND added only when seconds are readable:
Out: h=12 m=6
